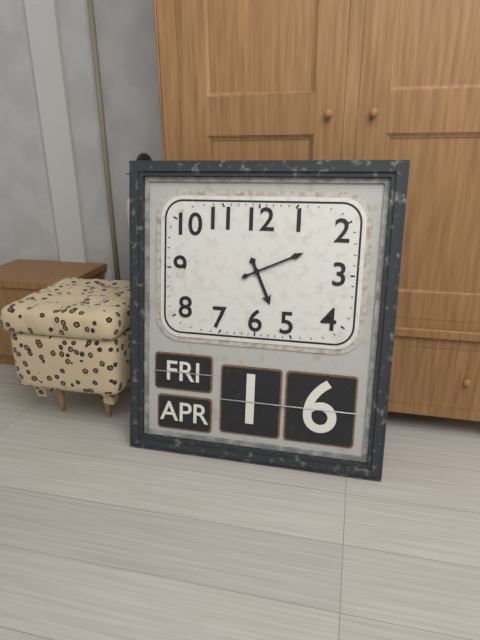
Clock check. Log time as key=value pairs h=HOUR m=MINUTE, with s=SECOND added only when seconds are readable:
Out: h=5 m=11
